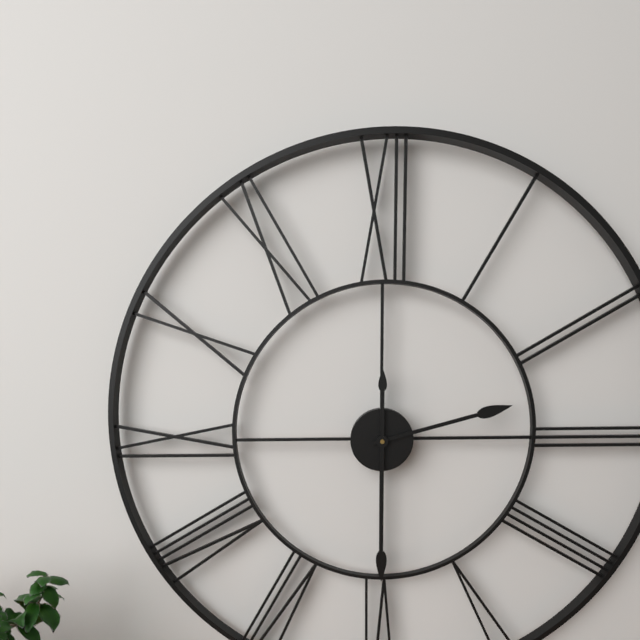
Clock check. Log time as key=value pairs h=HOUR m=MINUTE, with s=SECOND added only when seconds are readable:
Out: h=2 m=30
